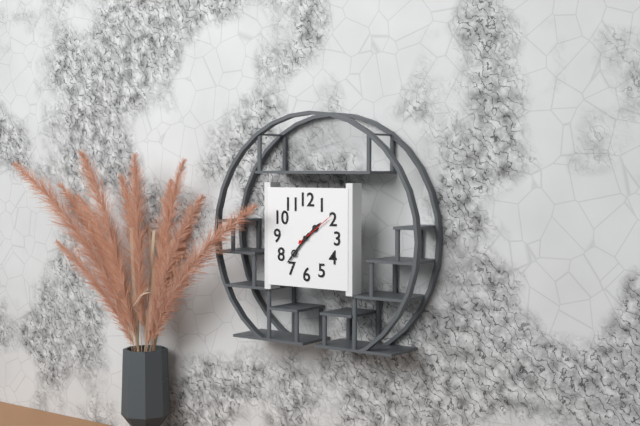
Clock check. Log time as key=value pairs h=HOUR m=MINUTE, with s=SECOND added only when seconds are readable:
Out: h=1 m=37
